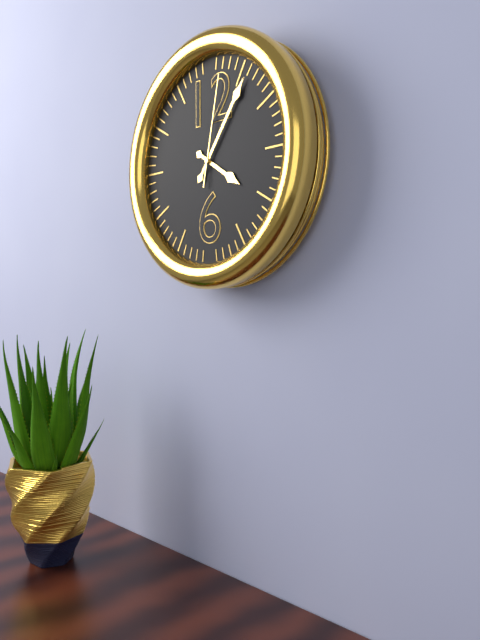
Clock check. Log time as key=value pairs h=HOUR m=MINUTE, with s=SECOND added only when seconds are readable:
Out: h=4 m=6 s=2
